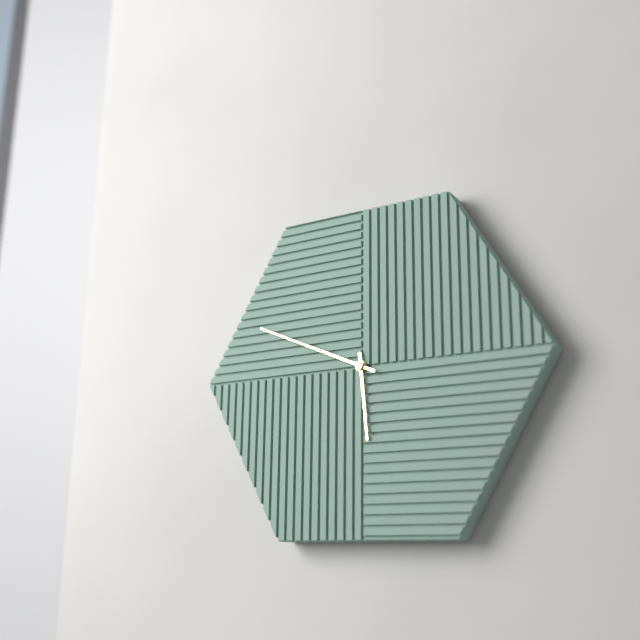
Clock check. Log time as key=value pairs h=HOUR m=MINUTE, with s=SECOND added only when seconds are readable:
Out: h=5 m=49
